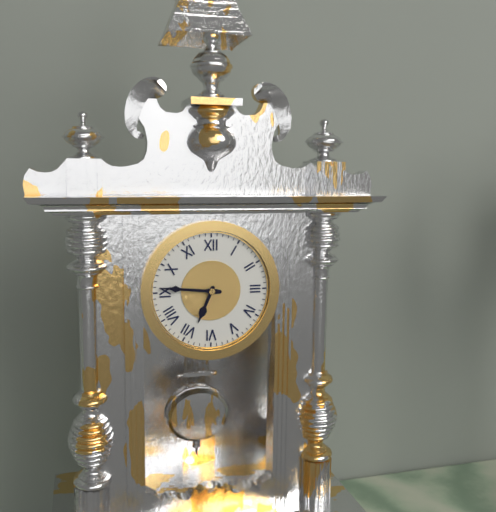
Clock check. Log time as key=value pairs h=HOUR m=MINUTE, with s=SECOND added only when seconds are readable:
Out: h=6 m=46
